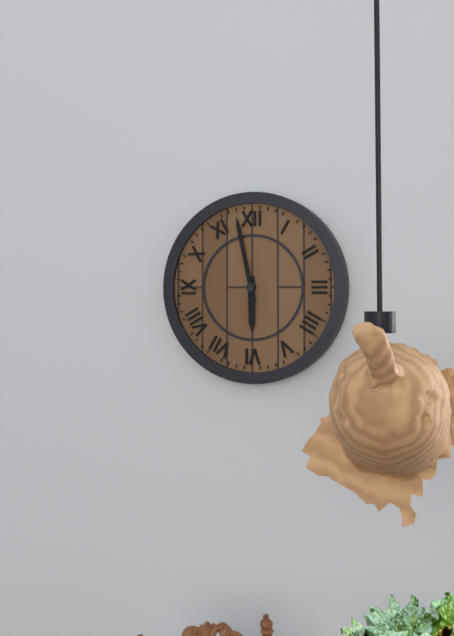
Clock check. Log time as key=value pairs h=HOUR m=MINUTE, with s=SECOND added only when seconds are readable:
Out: h=5 m=58
